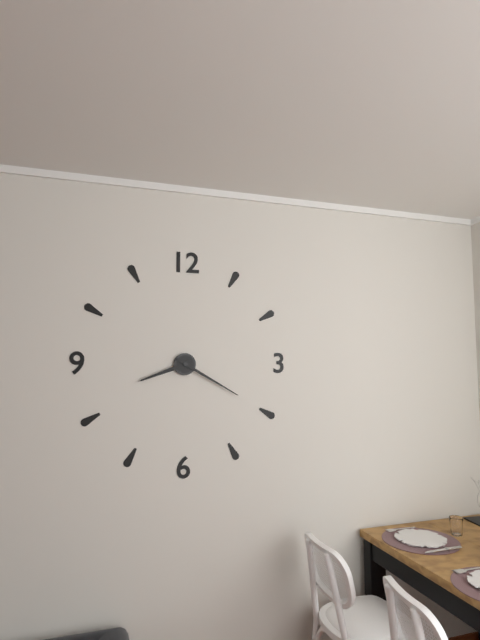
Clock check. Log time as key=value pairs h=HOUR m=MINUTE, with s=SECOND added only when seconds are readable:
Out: h=8 m=20
